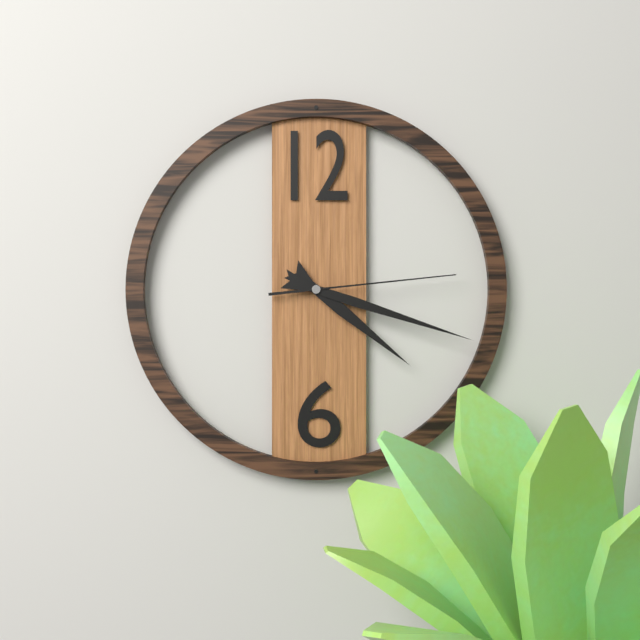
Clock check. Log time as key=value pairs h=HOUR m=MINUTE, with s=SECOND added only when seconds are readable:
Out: h=4 m=18 s=14
